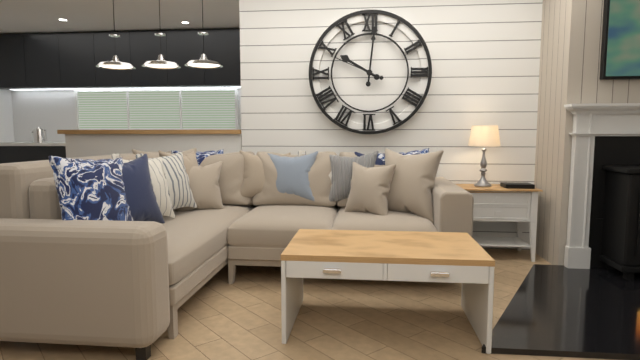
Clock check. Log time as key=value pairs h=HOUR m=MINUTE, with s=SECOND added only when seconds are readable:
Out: h=10 m=1
